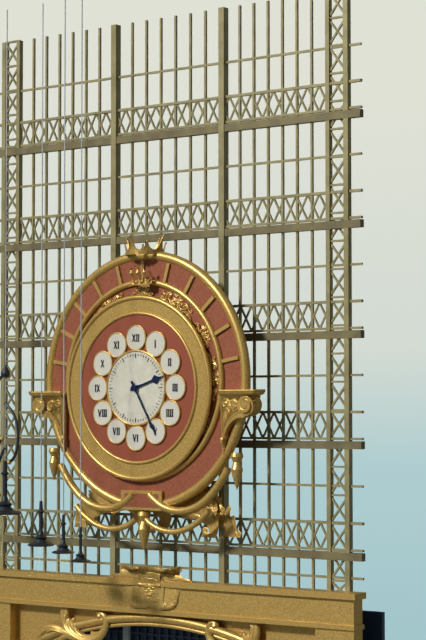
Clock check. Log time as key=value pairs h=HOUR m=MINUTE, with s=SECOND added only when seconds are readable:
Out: h=2 m=25
